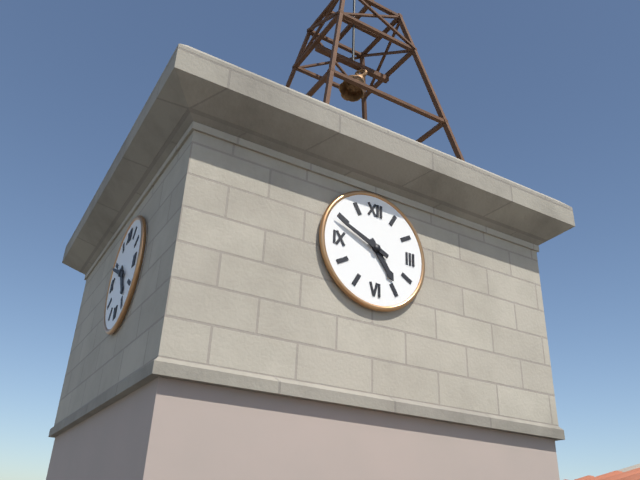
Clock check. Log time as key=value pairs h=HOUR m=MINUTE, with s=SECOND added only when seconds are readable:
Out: h=4 m=49
